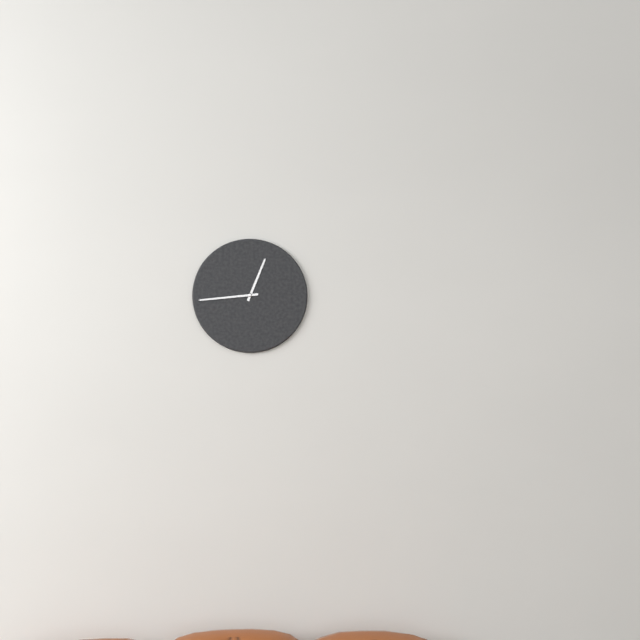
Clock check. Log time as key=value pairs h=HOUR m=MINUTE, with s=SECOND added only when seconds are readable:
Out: h=12 m=44
